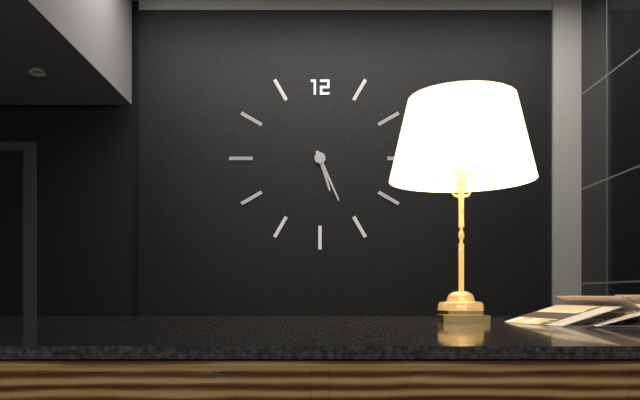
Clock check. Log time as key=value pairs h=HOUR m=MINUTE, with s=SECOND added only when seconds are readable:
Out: h=5 m=26
